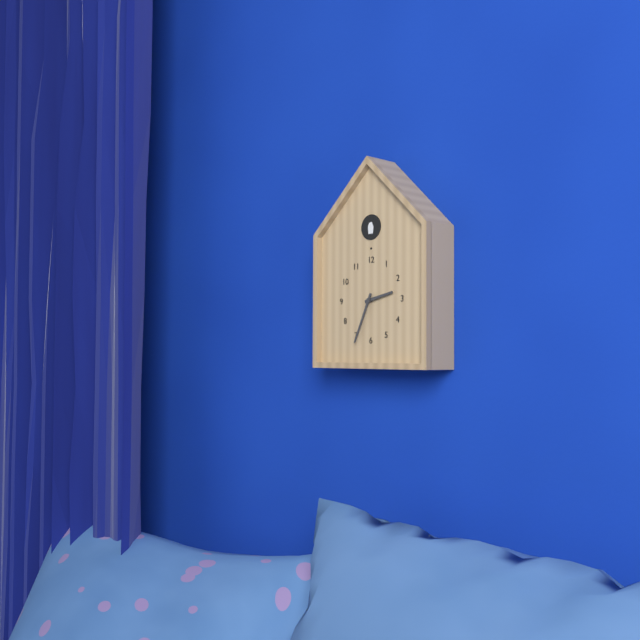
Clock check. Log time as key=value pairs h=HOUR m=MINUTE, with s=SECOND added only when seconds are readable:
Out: h=2 m=34
